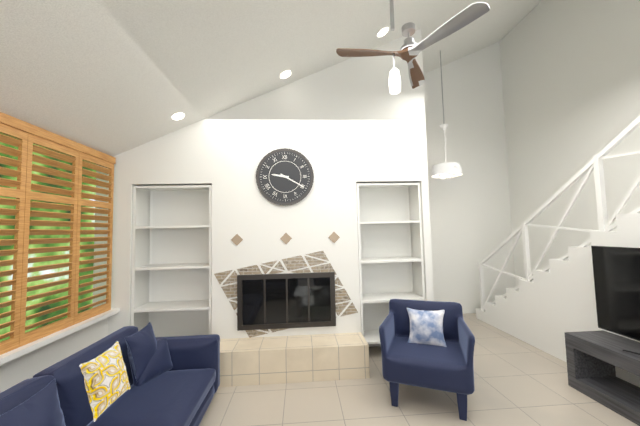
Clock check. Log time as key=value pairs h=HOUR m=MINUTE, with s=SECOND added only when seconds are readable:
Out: h=9 m=20
